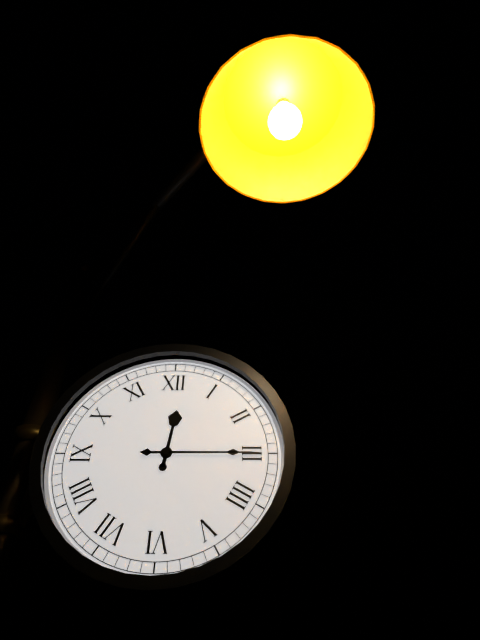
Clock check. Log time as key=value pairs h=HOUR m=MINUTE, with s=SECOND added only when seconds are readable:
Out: h=12 m=15
